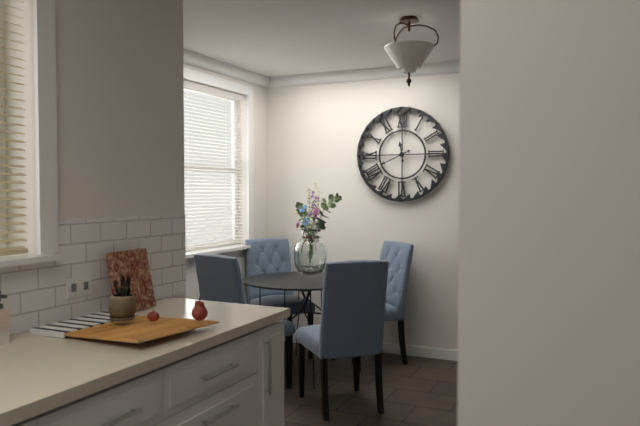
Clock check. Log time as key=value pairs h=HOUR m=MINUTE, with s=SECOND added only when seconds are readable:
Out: h=11 m=41
